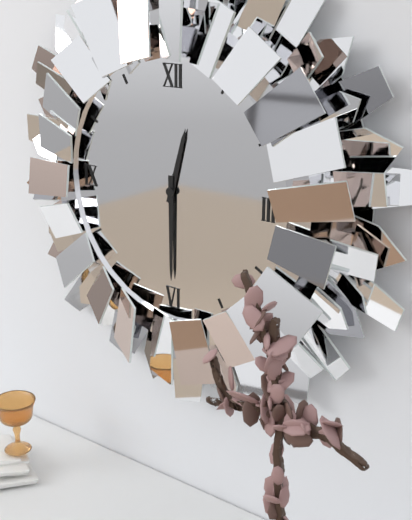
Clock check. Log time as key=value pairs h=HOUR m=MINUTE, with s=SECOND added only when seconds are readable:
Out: h=12 m=30
